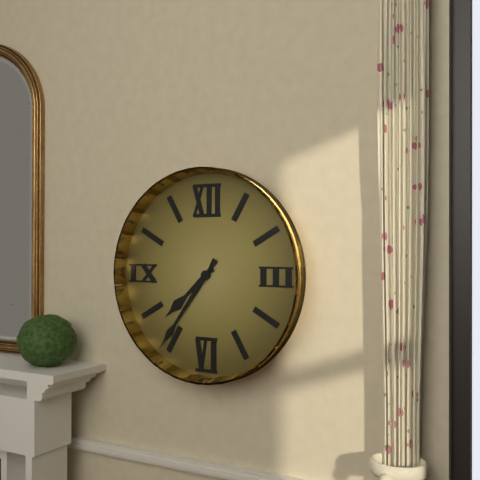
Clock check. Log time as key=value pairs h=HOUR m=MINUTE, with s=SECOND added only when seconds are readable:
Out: h=7 m=36
